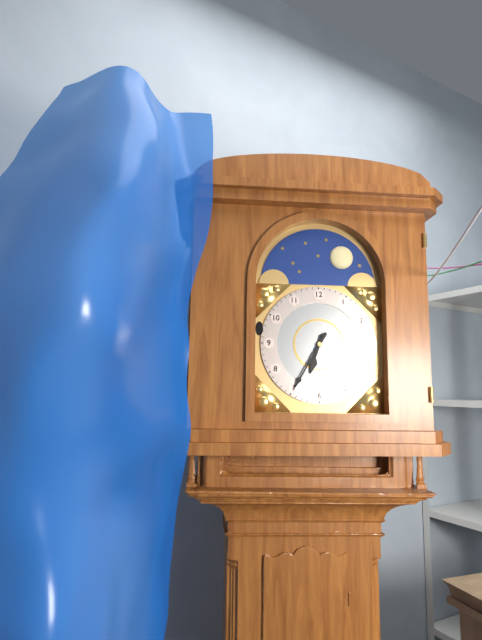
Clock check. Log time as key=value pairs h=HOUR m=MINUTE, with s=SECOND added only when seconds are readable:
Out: h=6 m=35
